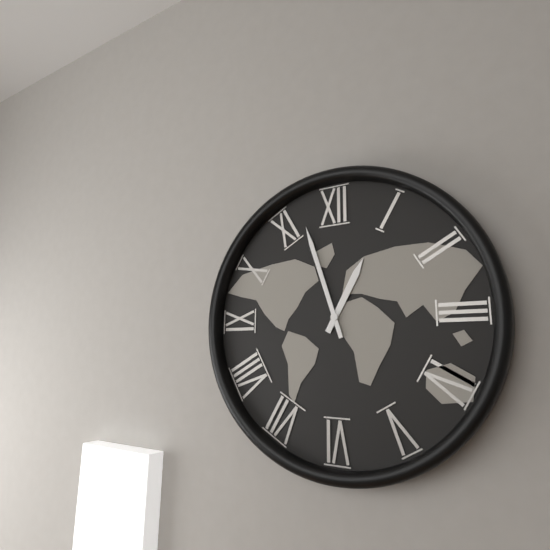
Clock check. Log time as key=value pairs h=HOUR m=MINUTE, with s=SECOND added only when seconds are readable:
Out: h=12 m=57
